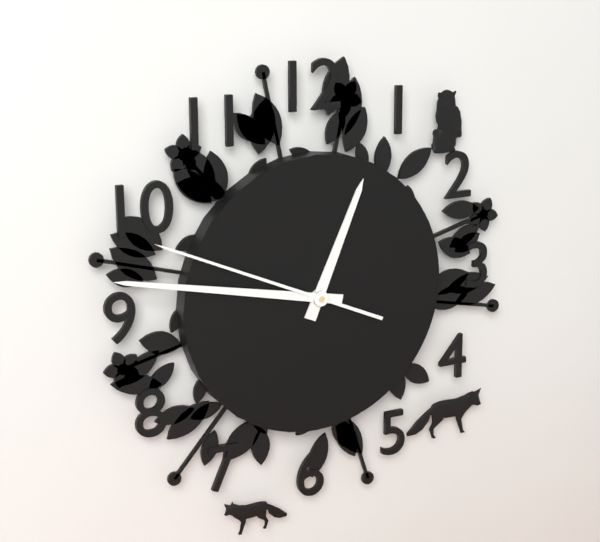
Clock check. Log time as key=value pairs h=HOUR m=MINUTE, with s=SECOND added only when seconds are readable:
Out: h=12 m=47 s=49
